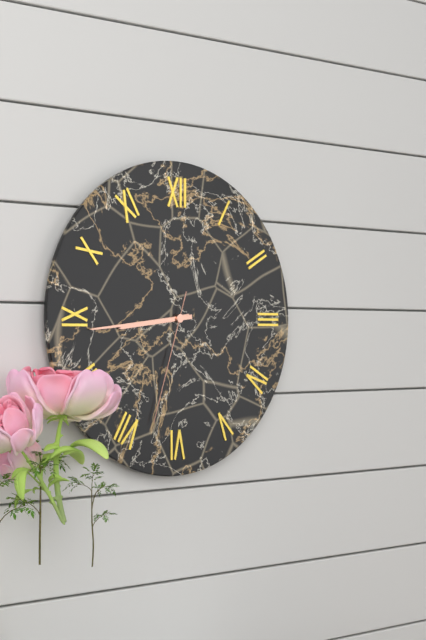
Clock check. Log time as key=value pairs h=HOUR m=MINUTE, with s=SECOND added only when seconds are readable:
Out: h=8 m=44 s=33
